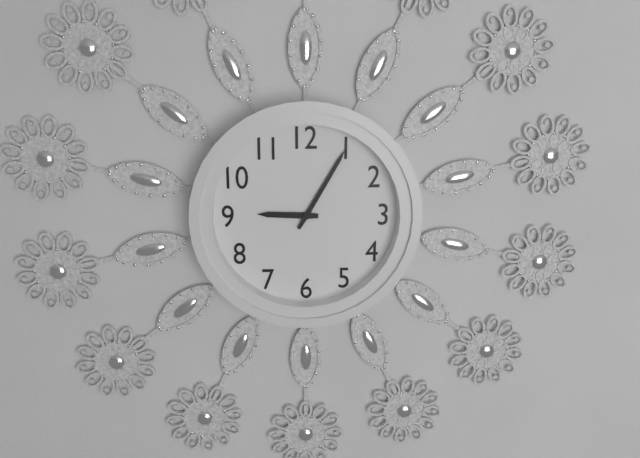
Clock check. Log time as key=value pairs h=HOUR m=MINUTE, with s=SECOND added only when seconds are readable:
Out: h=9 m=5
